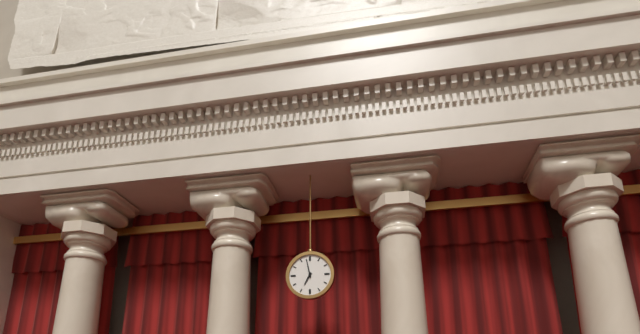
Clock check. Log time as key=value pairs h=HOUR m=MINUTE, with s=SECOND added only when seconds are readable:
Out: h=6 m=58
